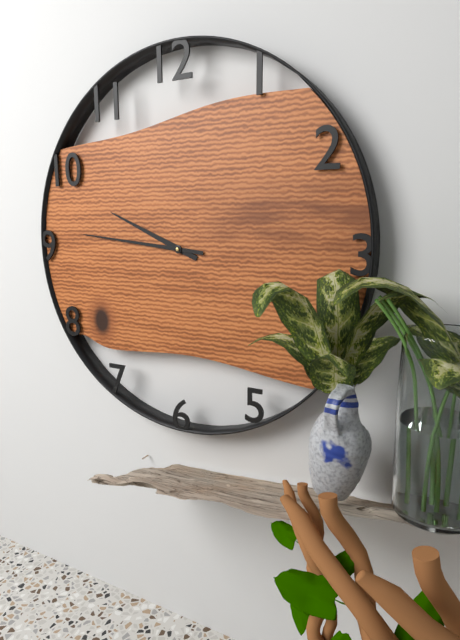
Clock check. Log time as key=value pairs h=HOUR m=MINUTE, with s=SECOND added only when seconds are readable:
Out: h=9 m=46
